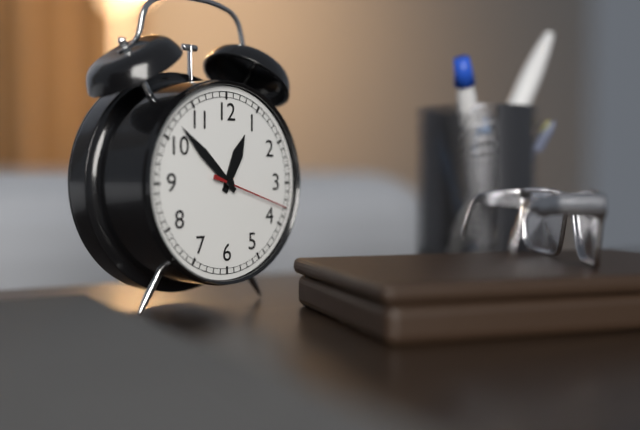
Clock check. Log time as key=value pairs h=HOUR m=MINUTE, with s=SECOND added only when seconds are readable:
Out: h=12 m=52 s=18
